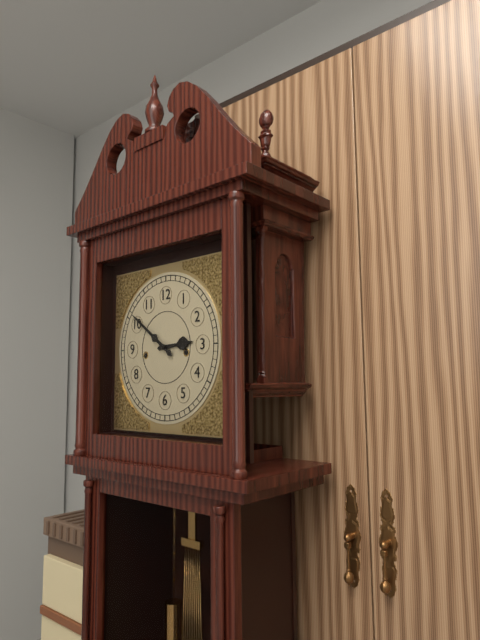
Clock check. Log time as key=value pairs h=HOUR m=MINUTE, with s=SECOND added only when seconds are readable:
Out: h=2 m=51
